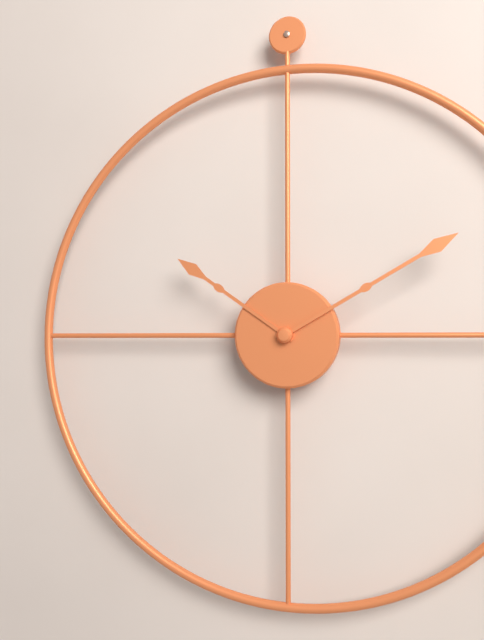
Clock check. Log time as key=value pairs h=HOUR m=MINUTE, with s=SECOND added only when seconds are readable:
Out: h=10 m=10
